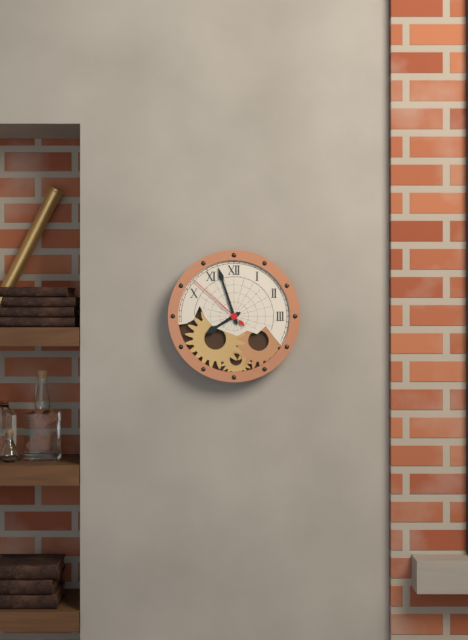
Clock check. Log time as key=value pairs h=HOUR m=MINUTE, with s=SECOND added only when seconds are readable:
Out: h=7 m=57 s=52
